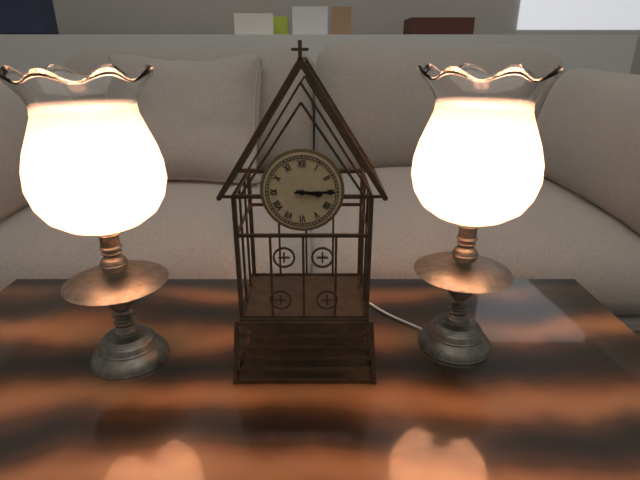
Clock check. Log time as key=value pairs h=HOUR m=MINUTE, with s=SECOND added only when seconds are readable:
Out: h=3 m=15
